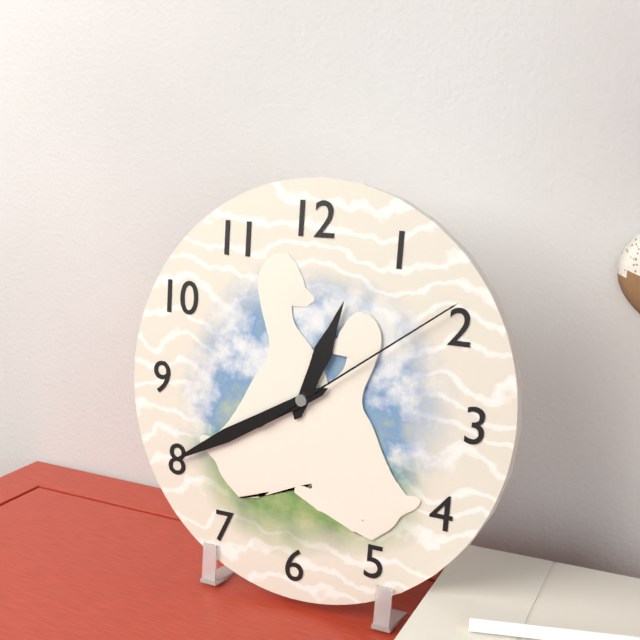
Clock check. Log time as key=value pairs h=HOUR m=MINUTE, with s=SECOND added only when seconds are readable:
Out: h=12 m=40 s=9
